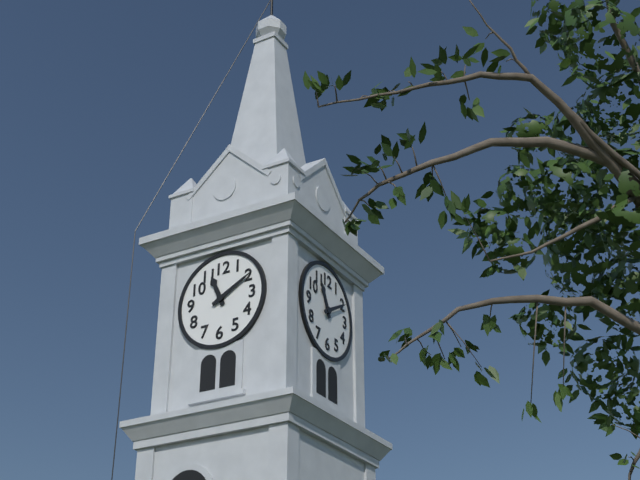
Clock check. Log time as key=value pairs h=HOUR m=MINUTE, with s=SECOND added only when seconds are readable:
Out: h=11 m=10
